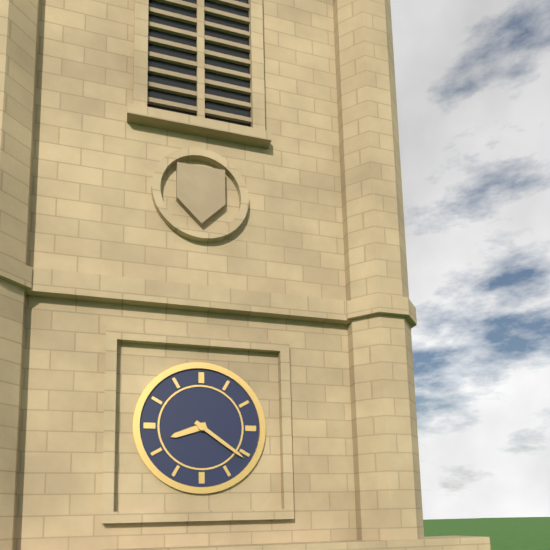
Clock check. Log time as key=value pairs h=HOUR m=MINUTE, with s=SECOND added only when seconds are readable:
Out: h=8 m=21
